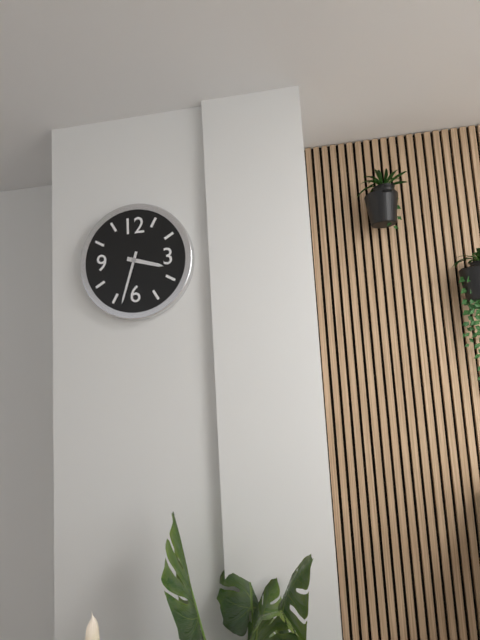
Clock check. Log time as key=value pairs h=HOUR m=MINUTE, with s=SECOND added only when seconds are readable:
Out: h=3 m=33
